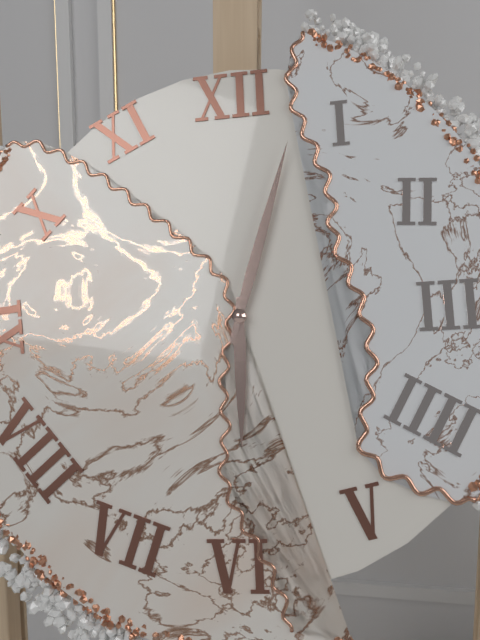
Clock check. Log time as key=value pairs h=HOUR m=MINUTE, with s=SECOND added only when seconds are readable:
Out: h=6 m=3
